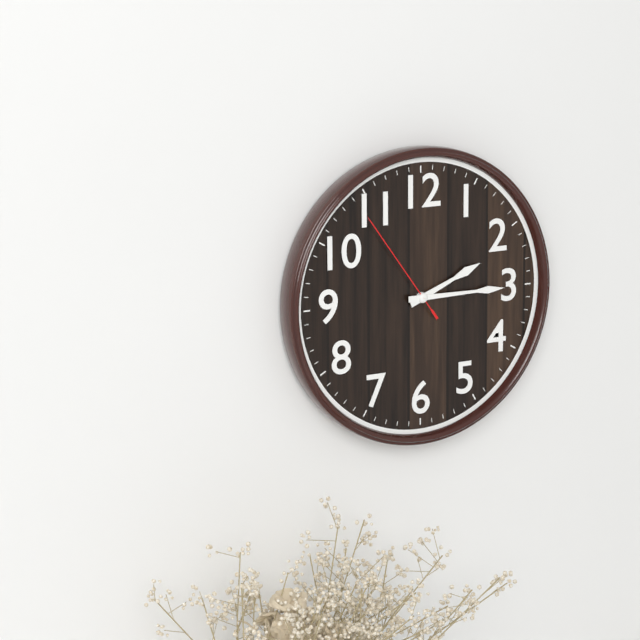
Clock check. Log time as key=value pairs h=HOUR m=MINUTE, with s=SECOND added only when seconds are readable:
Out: h=2 m=15 s=54
